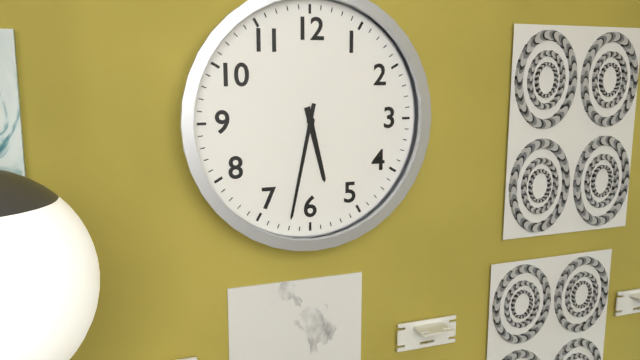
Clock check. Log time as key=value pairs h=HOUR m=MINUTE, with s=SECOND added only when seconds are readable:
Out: h=5 m=32
